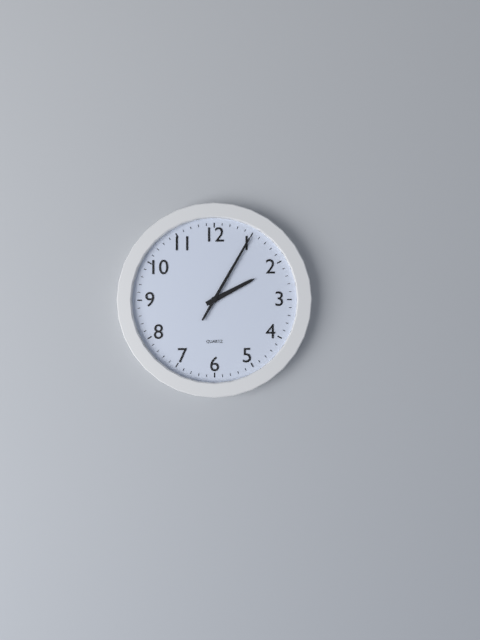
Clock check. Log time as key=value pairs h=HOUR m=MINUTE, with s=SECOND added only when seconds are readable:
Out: h=2 m=5
